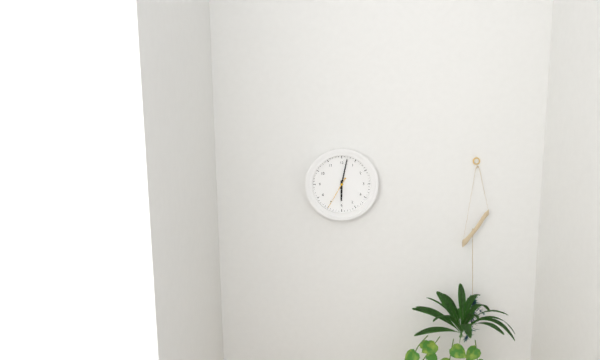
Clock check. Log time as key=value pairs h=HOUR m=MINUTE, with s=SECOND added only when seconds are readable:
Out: h=6 m=2
